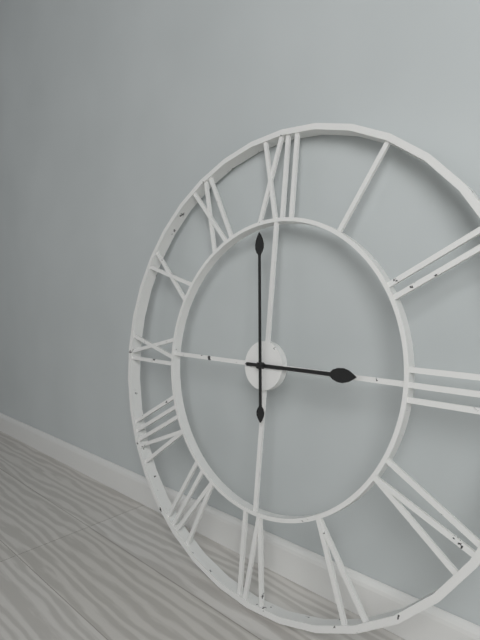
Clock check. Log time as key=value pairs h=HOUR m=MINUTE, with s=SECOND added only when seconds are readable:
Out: h=2 m=59
